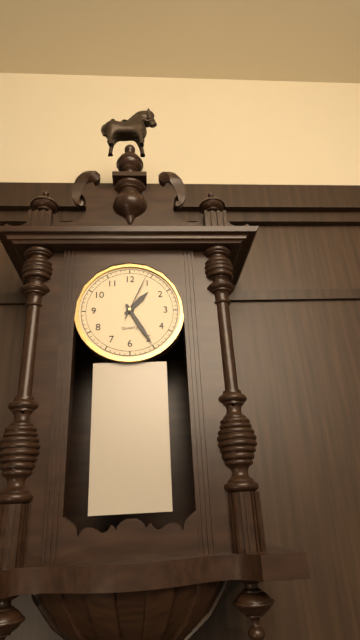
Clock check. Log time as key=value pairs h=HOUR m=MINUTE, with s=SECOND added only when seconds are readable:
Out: h=1 m=25 s=4
